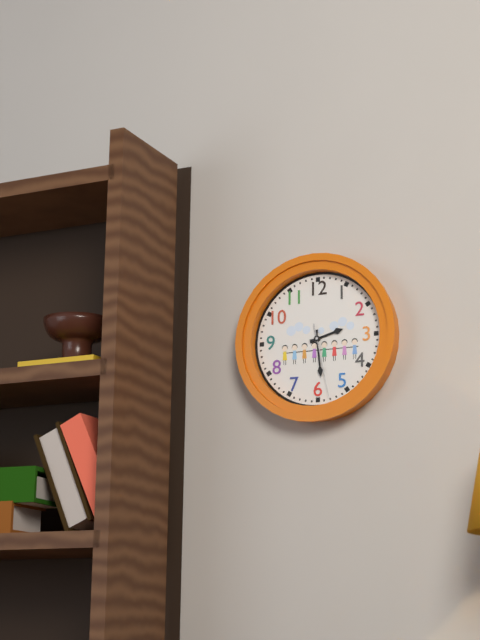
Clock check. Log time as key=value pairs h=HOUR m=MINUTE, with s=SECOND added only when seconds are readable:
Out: h=2 m=29 s=28
